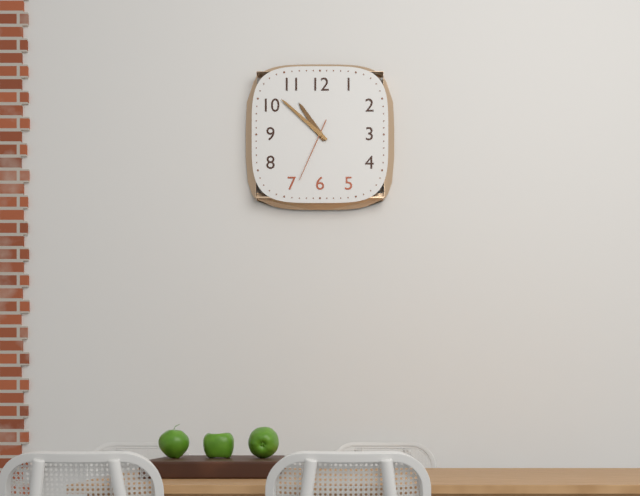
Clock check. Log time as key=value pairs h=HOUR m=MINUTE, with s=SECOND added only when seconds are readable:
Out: h=10 m=52 s=34
